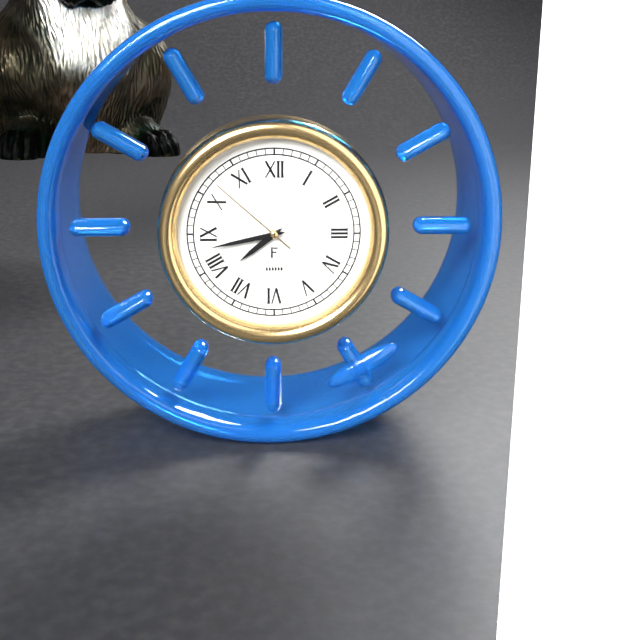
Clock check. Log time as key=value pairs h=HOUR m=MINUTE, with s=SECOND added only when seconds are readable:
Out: h=7 m=43 s=52
